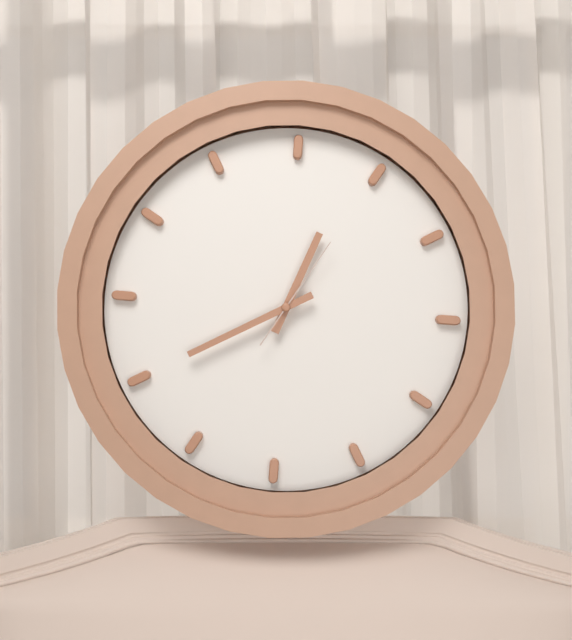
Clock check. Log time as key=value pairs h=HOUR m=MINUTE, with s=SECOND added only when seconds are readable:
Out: h=12 m=40 s=5
